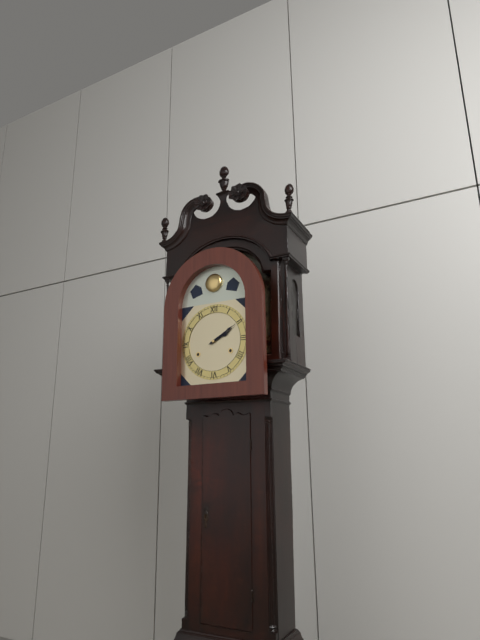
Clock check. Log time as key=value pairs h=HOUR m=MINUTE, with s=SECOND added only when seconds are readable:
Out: h=2 m=10
